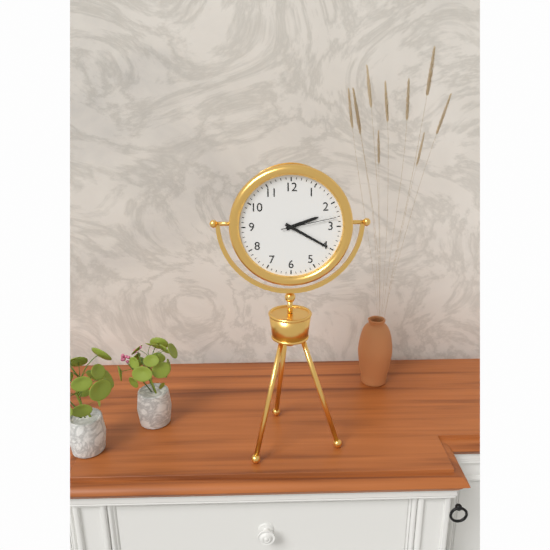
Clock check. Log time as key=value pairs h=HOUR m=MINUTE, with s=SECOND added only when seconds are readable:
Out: h=2 m=20 s=13
